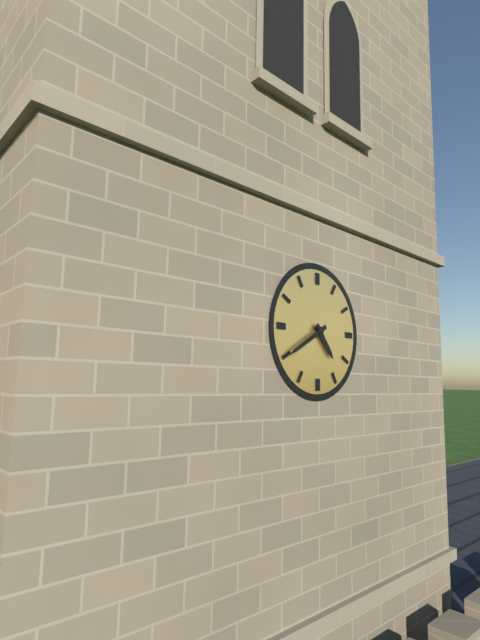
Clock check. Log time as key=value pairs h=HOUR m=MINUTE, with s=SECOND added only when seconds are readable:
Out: h=4 m=40
